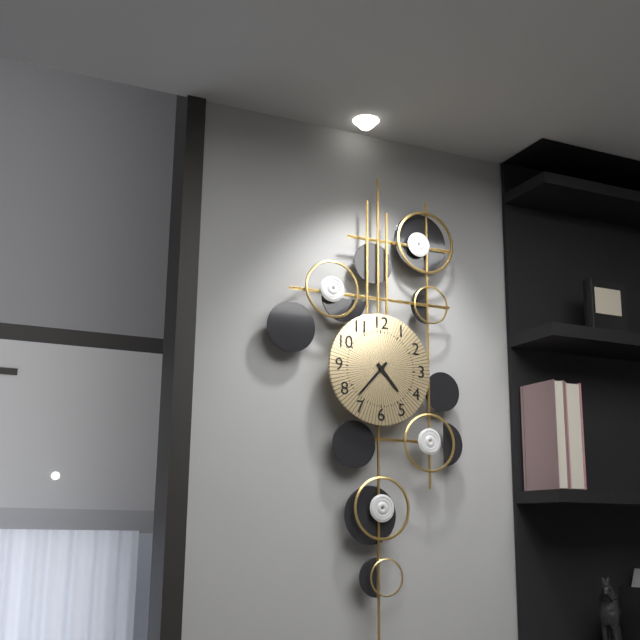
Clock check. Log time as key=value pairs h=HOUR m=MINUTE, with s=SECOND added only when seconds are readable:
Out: h=4 m=37
